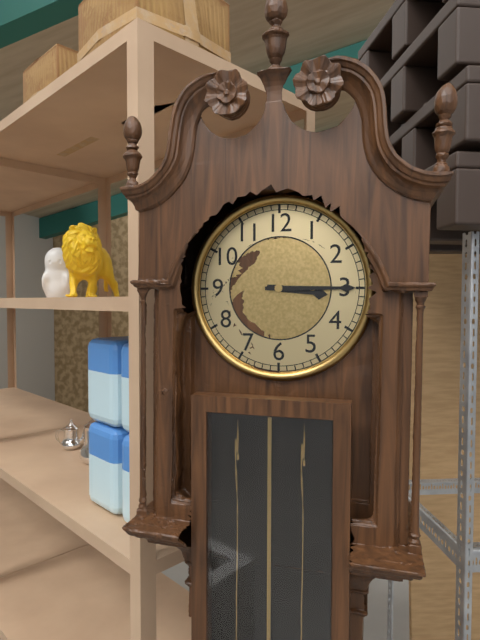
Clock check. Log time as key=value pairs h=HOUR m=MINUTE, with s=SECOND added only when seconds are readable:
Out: h=3 m=15
